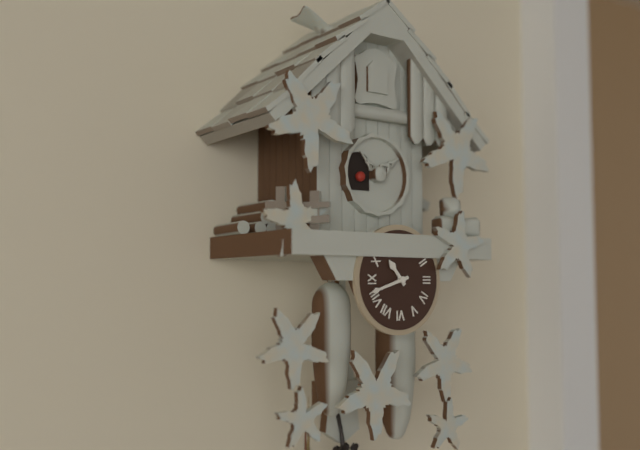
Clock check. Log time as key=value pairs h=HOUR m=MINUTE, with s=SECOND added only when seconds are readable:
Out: h=10 m=42
